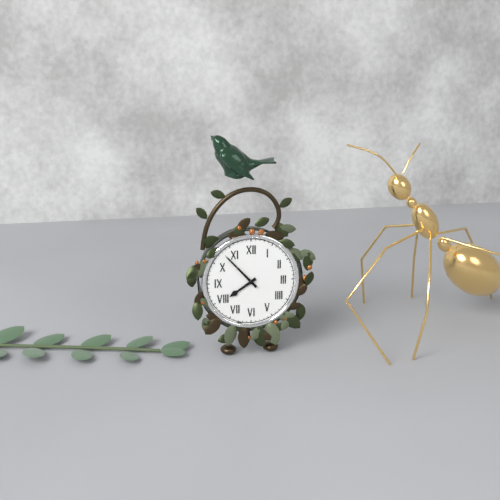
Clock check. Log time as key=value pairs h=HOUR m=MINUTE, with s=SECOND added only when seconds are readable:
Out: h=7 m=53
